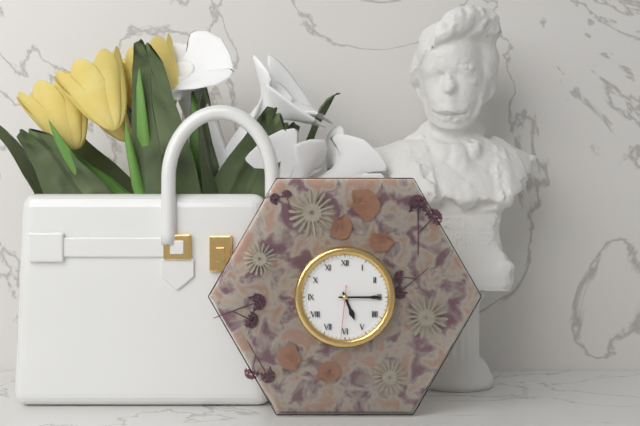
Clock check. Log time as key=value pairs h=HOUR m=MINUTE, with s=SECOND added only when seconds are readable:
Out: h=5 m=15
